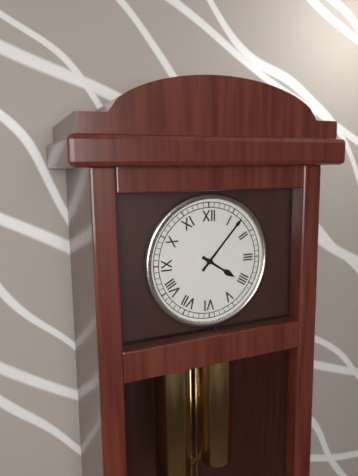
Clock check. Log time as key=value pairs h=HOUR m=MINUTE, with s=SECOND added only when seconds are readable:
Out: h=4 m=7
